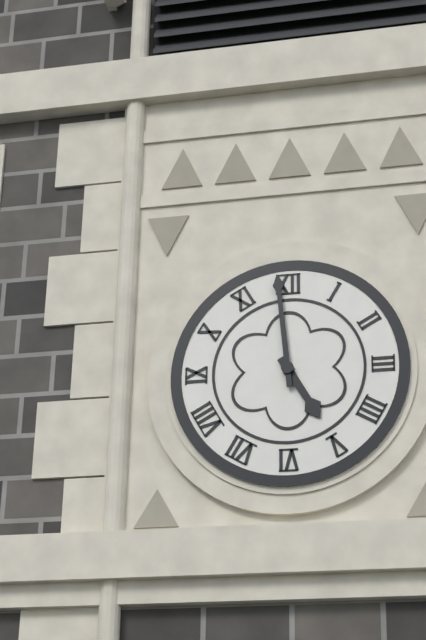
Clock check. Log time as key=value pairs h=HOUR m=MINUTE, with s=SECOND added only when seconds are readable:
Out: h=4 m=59
